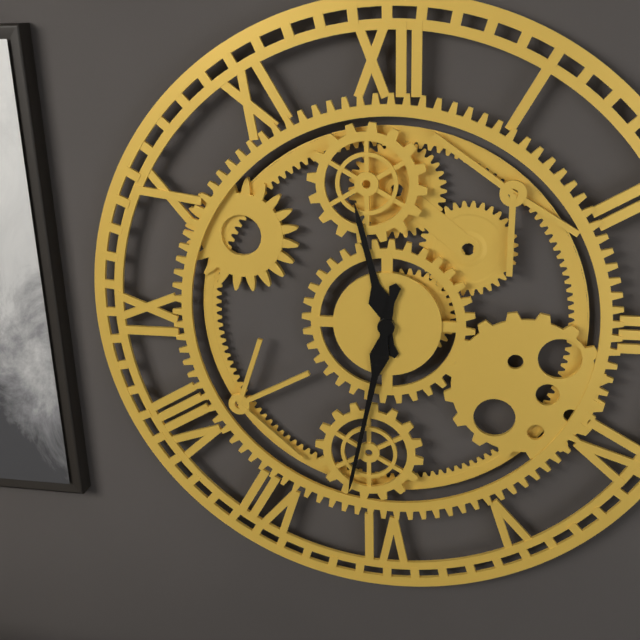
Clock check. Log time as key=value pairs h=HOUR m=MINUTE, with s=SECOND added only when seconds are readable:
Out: h=11 m=32
